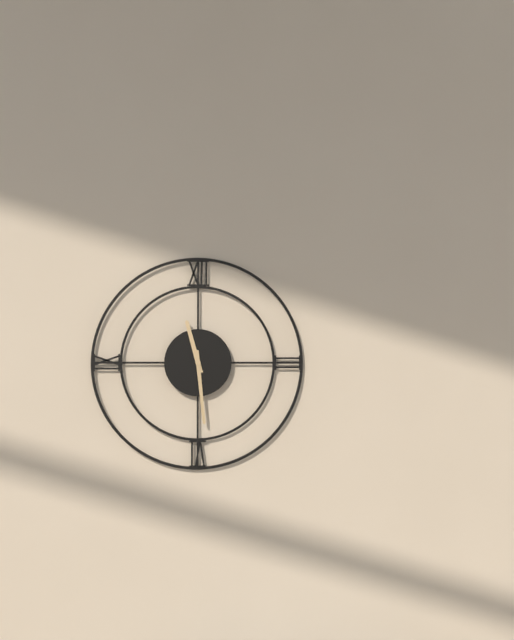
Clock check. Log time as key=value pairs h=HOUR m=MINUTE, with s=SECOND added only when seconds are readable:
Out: h=11 m=29
